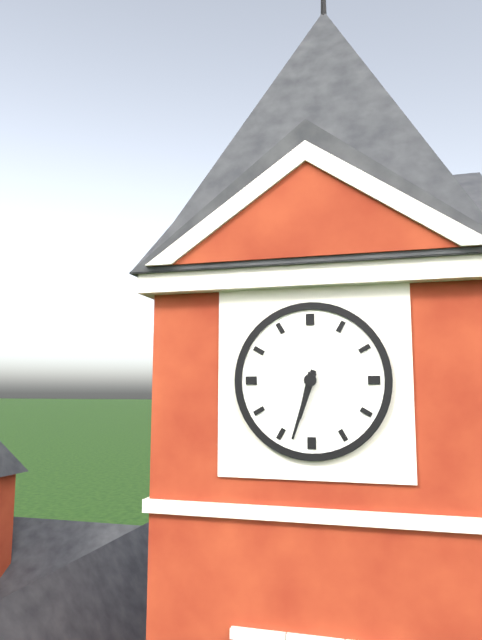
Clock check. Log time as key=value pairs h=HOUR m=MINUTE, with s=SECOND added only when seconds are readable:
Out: h=6 m=33
